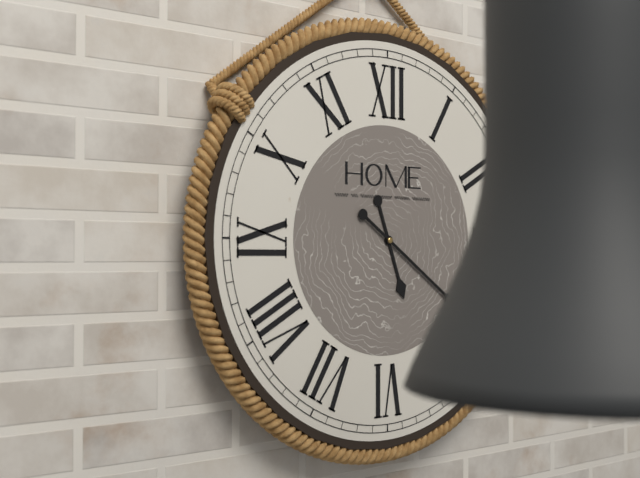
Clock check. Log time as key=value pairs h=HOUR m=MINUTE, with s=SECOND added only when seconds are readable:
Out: h=5 m=21
